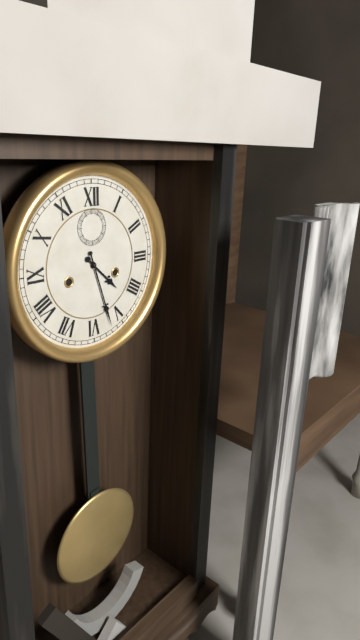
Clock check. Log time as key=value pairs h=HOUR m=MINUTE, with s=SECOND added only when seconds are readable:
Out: h=4 m=27
